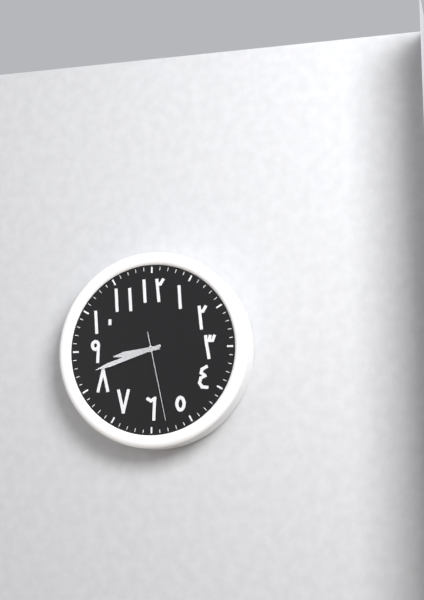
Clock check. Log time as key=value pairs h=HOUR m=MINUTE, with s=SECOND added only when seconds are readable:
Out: h=8 m=42 s=28
